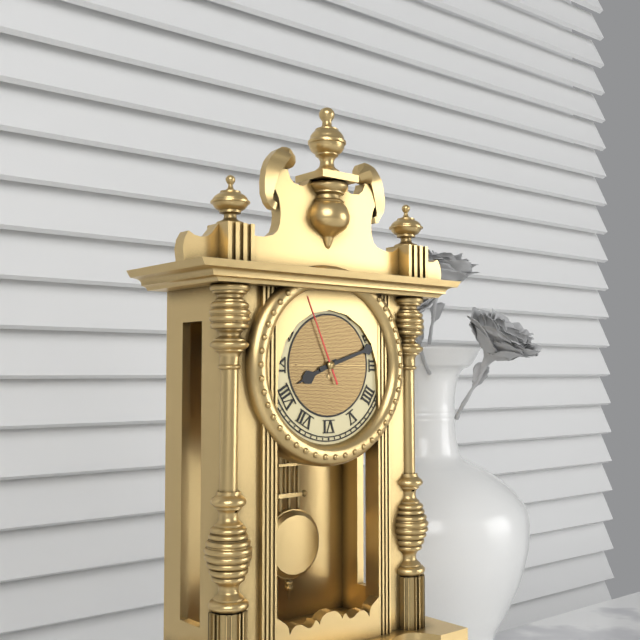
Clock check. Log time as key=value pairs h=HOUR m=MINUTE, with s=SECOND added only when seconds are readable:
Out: h=8 m=12 s=56
